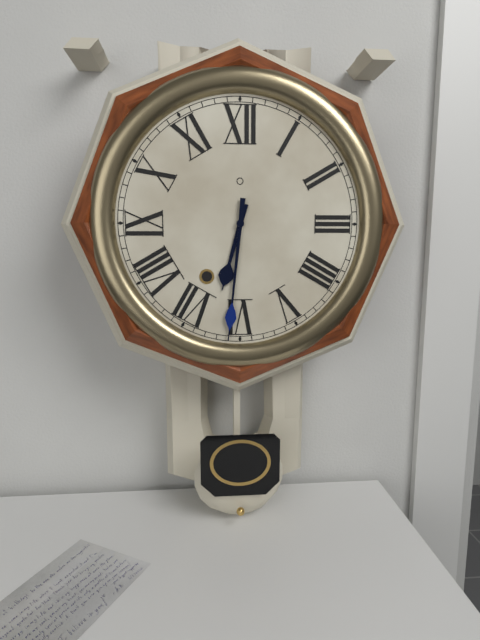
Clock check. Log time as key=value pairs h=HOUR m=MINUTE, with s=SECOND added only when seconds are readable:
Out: h=6 m=31
